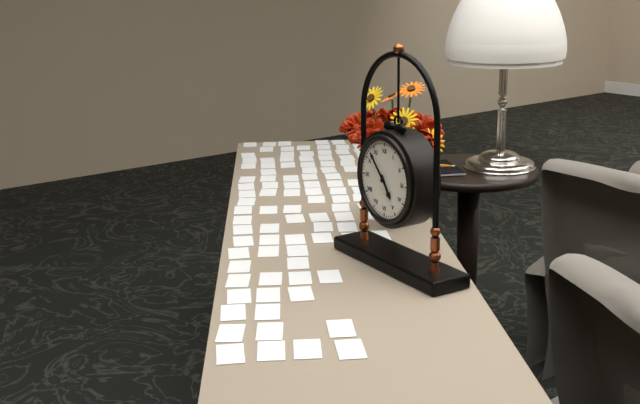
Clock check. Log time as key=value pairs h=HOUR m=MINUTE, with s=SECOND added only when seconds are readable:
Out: h=4 m=53
